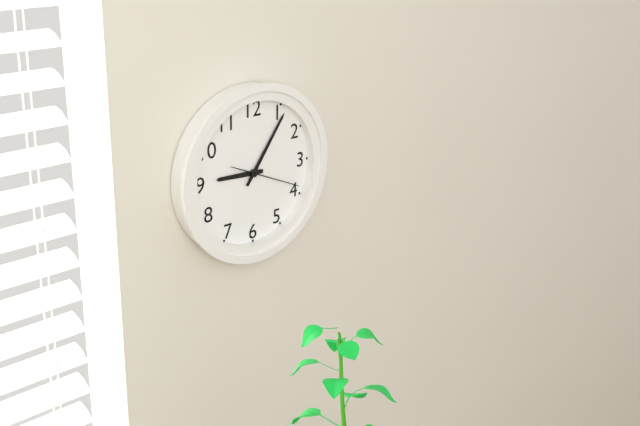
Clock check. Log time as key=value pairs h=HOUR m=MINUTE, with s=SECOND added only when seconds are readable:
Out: h=9 m=6 s=19
